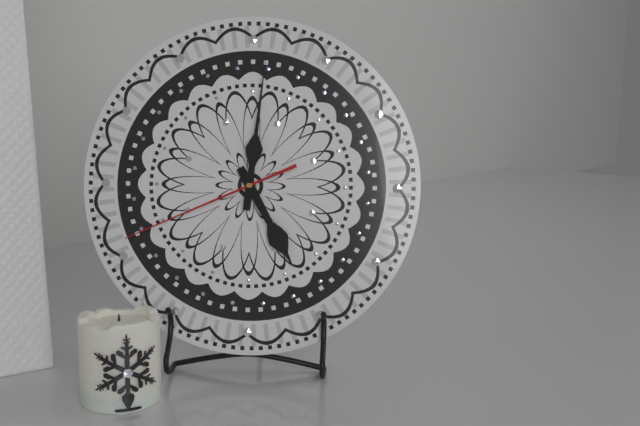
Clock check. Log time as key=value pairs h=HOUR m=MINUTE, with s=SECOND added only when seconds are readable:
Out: h=5 m=1 s=41
